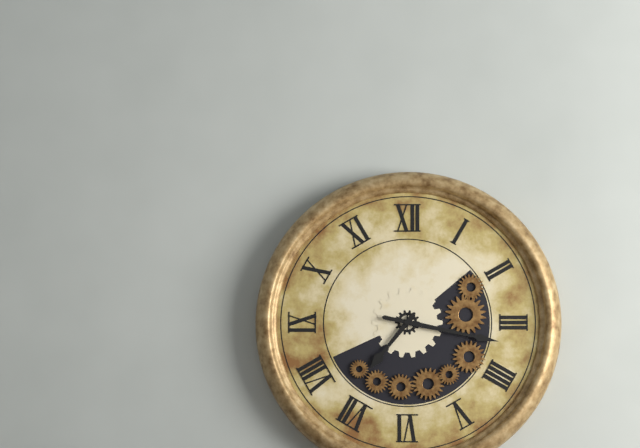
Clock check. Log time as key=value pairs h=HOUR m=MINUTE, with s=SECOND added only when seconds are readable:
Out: h=7 m=17
